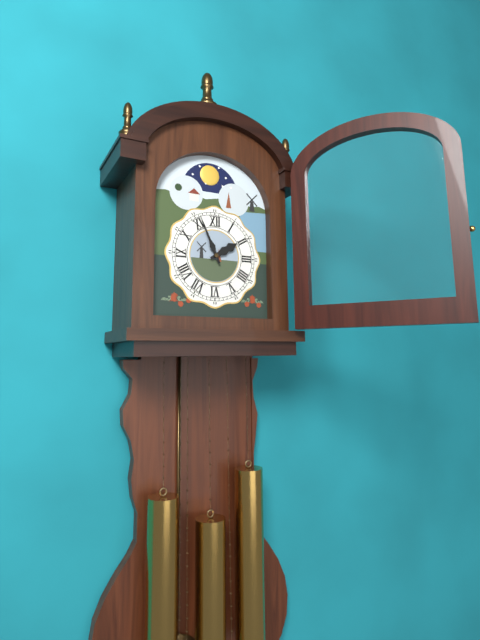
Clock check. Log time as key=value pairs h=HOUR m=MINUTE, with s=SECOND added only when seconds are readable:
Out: h=1 m=56
